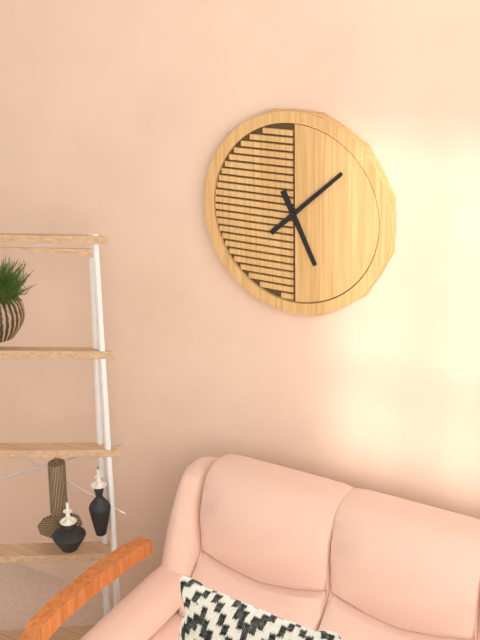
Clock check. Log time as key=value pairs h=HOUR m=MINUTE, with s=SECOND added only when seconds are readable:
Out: h=5 m=8
